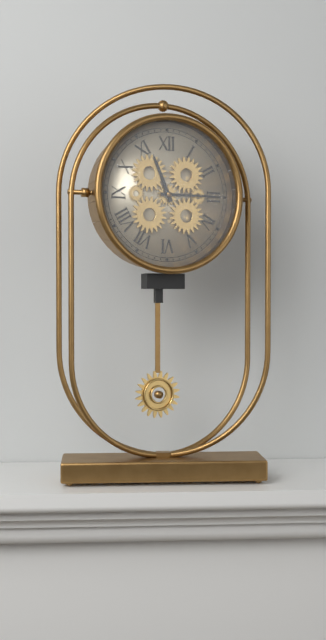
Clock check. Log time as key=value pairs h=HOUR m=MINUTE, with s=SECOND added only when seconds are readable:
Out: h=11 m=15
